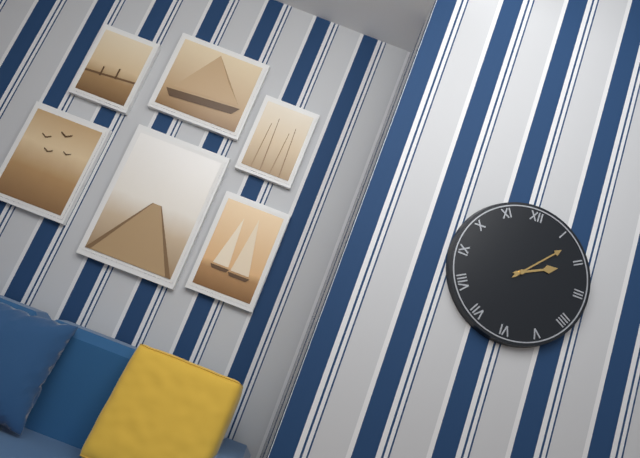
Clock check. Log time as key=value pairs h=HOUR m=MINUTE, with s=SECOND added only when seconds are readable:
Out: h=2 m=7
